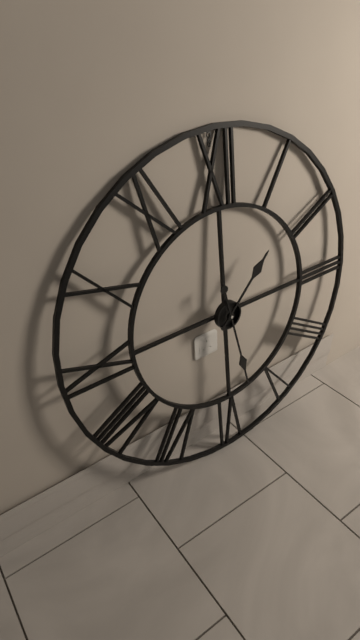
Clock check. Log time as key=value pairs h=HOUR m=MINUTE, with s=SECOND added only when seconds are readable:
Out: h=1 m=28
